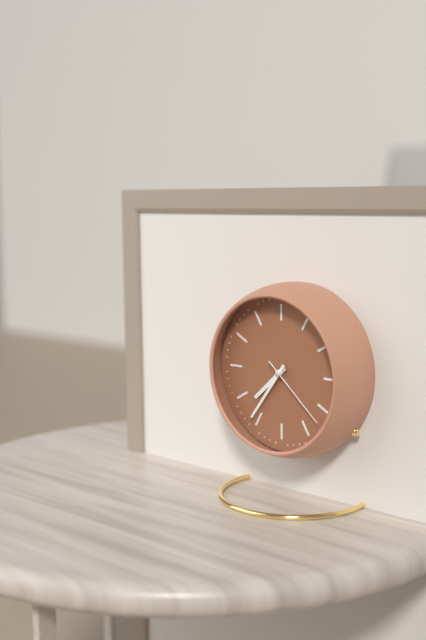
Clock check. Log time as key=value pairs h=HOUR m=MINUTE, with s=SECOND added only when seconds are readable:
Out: h=7 m=36 s=22
